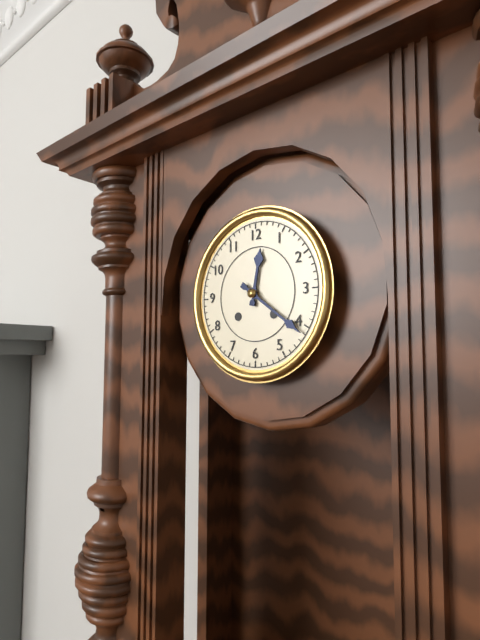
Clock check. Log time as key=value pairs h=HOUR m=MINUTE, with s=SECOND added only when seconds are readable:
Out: h=12 m=21
